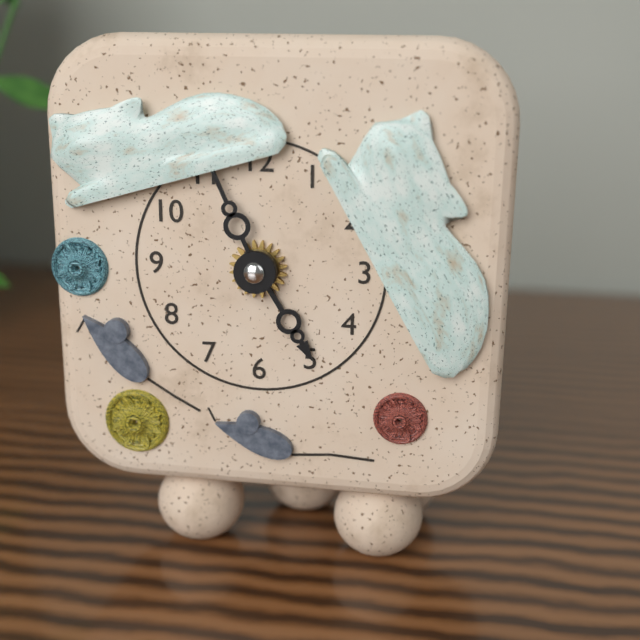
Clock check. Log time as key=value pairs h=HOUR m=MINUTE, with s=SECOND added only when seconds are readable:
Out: h=4 m=56
